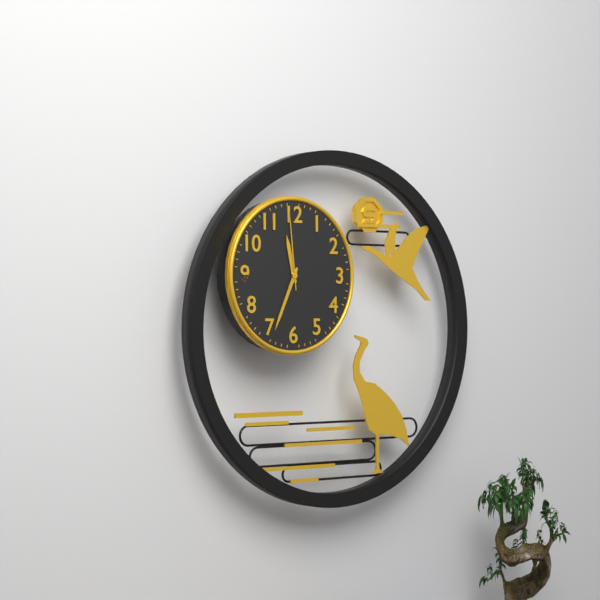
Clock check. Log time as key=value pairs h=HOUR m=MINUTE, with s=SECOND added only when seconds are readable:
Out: h=11 m=34 s=59
